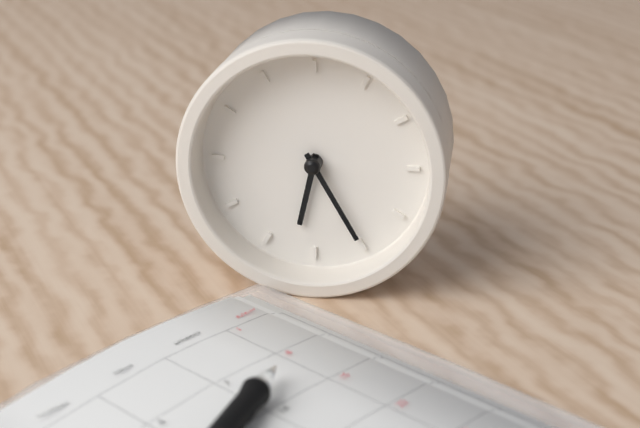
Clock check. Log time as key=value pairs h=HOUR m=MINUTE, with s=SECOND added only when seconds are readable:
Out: h=6 m=25
